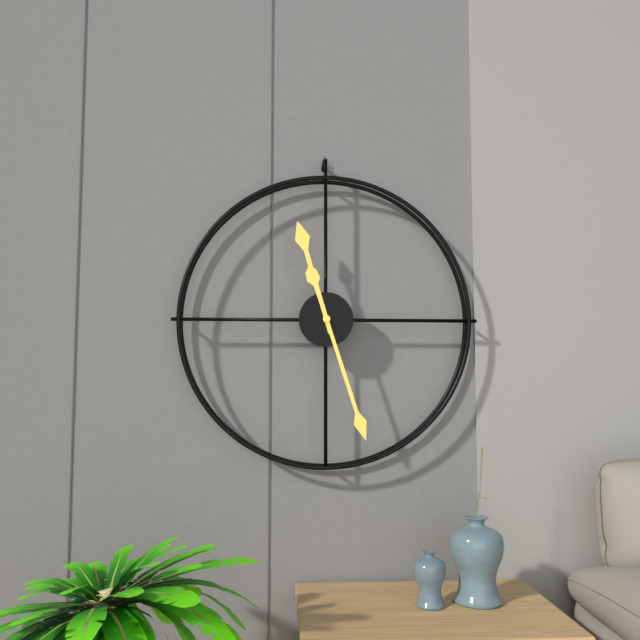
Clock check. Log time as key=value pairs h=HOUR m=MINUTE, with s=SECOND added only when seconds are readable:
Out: h=11 m=27
